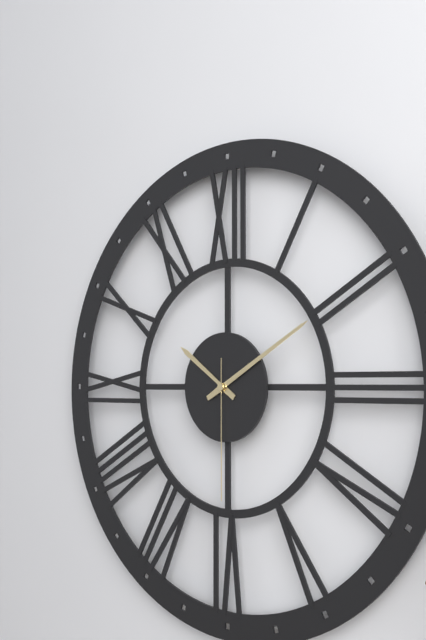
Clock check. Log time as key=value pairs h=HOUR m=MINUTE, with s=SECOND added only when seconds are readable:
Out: h=10 m=10 s=30
